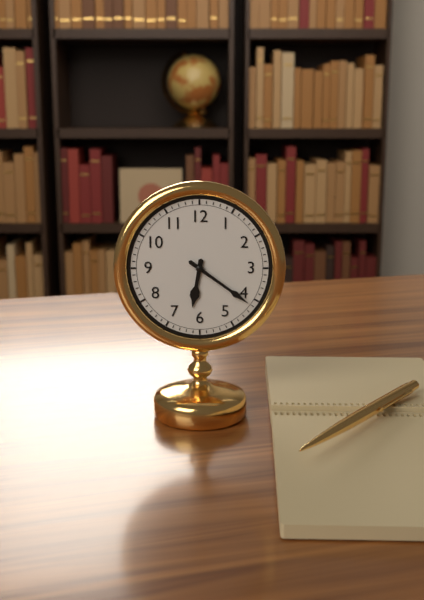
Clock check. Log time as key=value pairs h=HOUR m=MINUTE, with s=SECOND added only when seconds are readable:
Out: h=6 m=21
